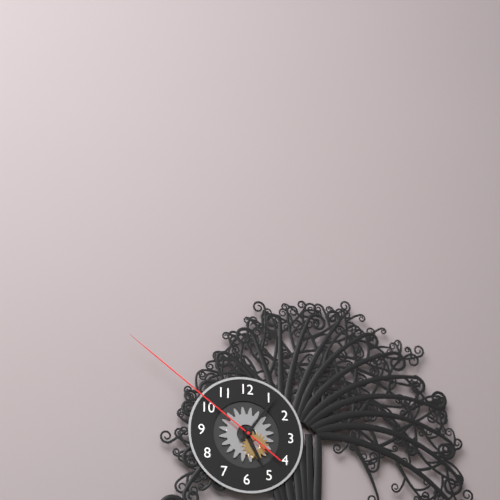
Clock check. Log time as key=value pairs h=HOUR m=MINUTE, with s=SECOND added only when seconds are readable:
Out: h=5 m=6 s=51
